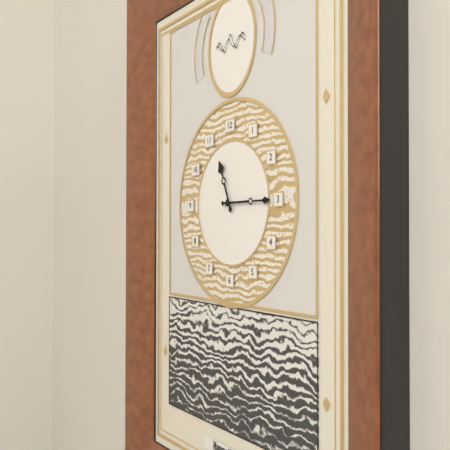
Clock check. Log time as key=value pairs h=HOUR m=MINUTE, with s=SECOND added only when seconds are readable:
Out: h=11 m=15
